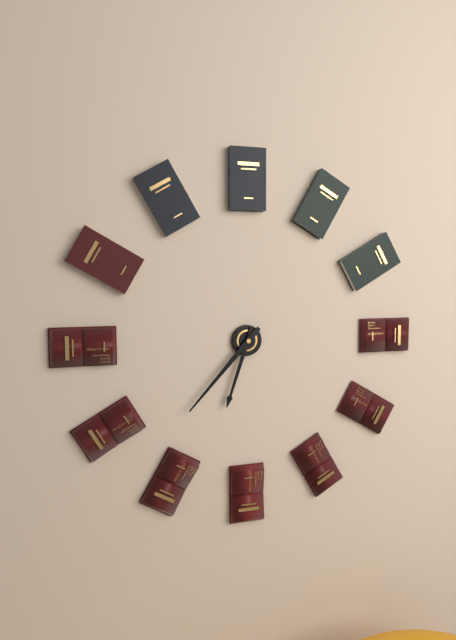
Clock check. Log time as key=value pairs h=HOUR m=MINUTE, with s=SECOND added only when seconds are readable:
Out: h=6 m=37
